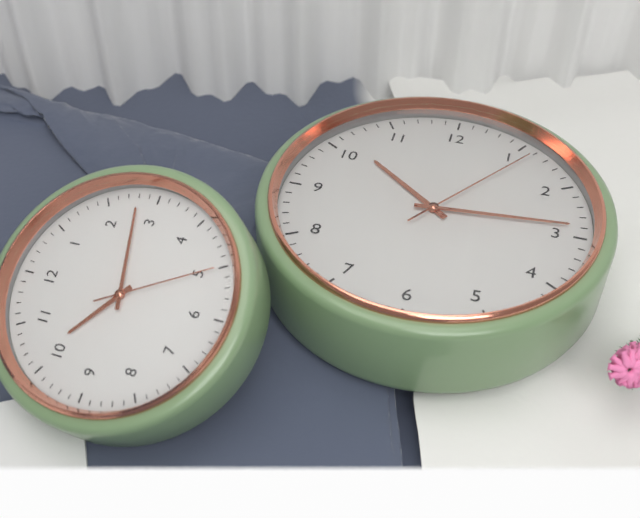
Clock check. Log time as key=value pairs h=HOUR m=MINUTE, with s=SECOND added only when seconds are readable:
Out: h=10 m=14 s=6
